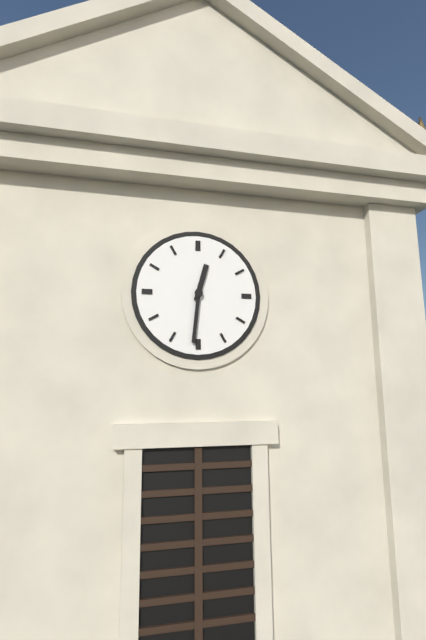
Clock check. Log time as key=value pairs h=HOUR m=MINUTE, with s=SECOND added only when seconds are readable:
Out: h=12 m=31
